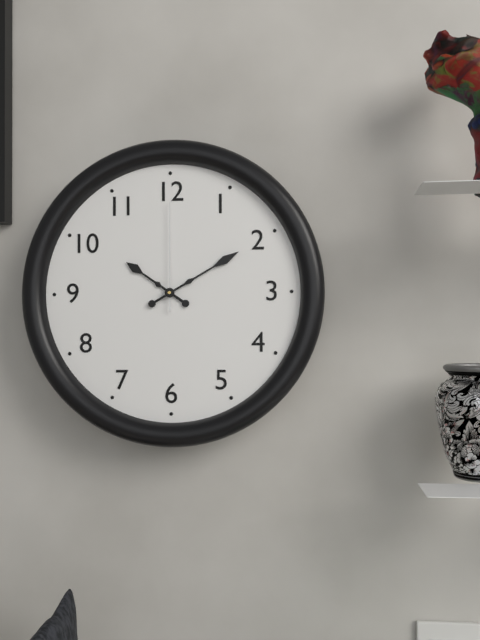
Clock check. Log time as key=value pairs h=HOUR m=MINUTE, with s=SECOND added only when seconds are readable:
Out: h=10 m=10 s=0
